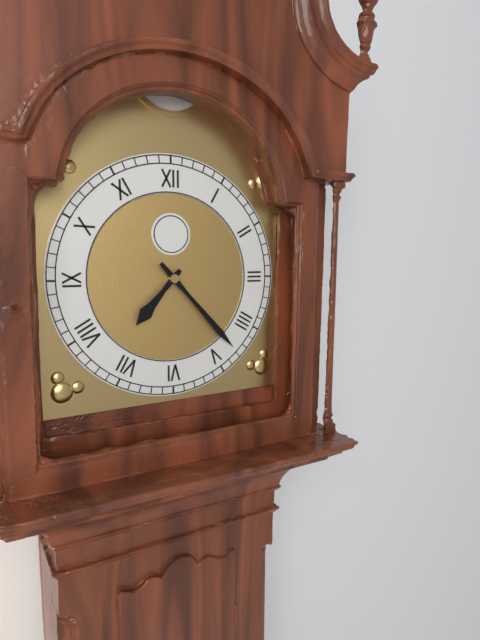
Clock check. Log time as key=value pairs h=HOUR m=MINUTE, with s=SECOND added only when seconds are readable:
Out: h=7 m=23
